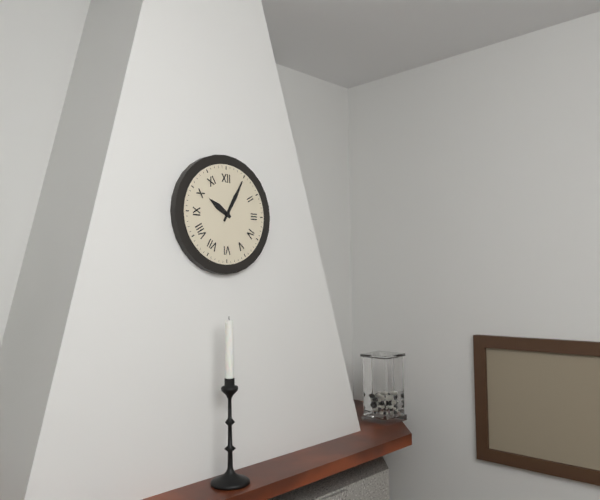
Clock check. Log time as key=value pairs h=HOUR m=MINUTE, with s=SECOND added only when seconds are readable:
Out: h=10 m=5
